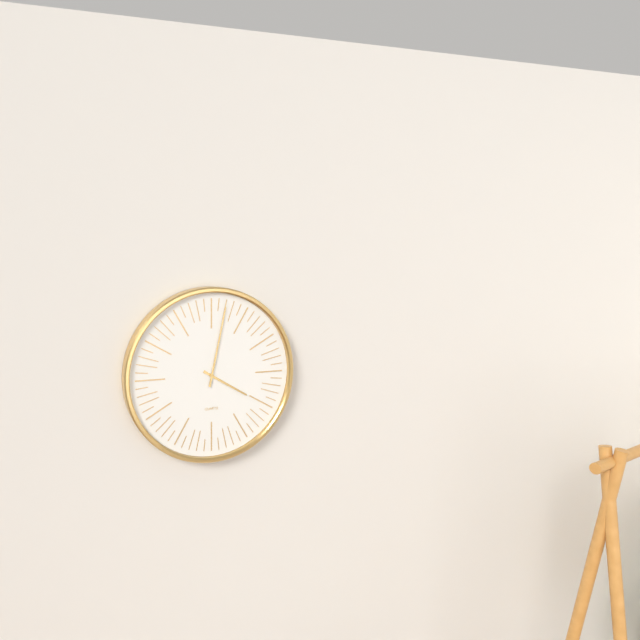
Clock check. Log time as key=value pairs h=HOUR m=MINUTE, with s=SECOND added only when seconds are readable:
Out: h=4 m=2
